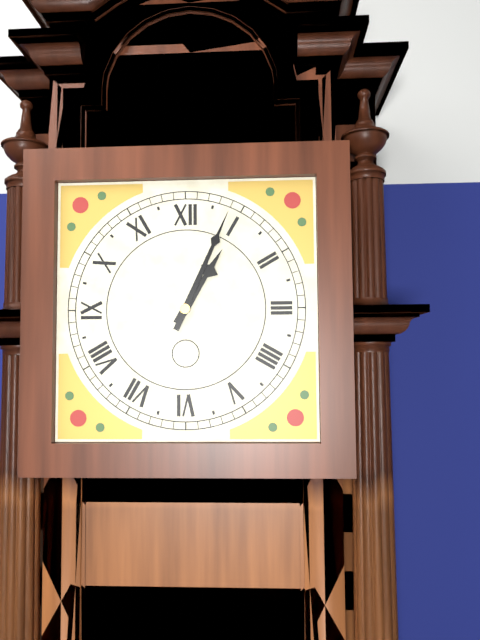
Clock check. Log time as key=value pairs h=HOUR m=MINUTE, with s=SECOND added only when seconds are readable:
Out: h=1 m=4
